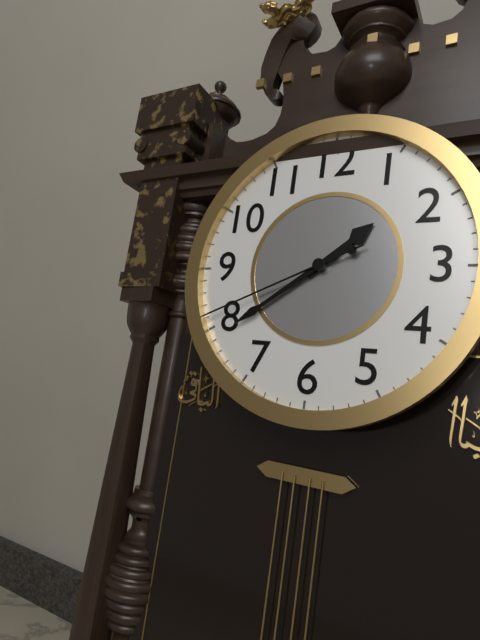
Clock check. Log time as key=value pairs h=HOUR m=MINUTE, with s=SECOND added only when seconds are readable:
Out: h=1 m=39 s=41
